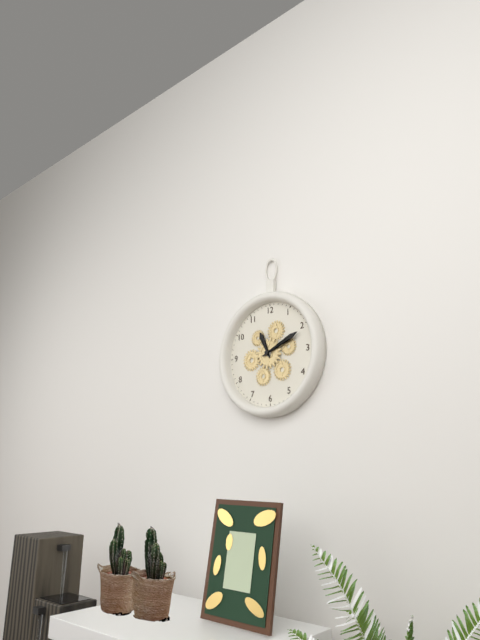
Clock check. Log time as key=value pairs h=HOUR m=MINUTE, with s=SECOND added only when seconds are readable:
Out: h=11 m=11
